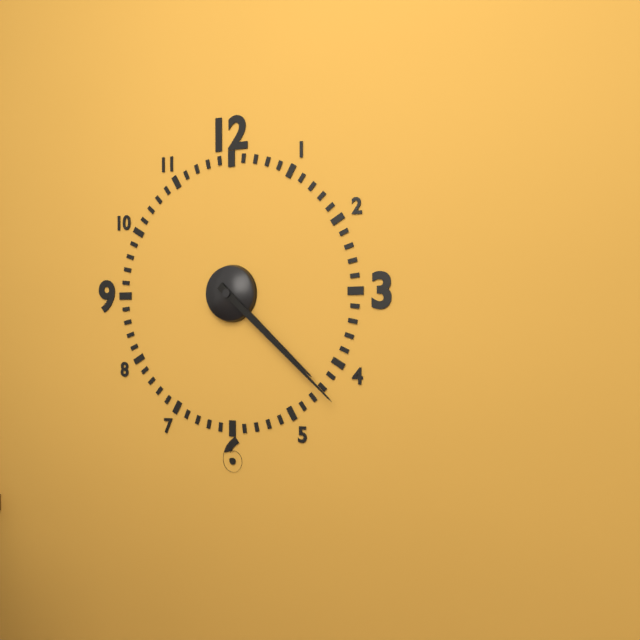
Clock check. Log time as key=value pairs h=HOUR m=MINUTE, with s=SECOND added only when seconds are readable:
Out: h=4 m=22
